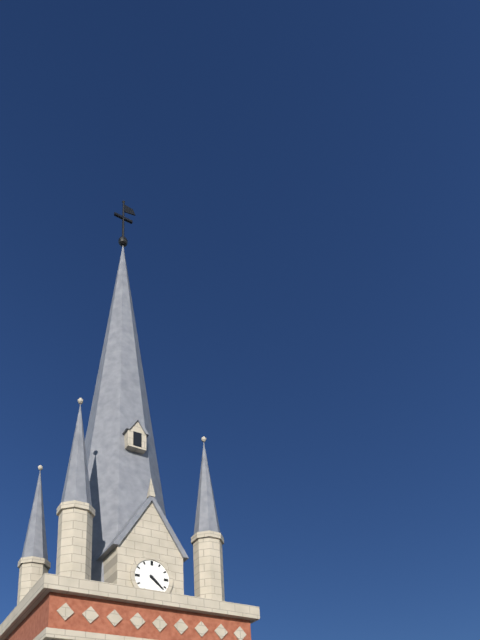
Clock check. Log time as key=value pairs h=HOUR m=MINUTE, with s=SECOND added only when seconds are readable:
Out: h=4 m=22
